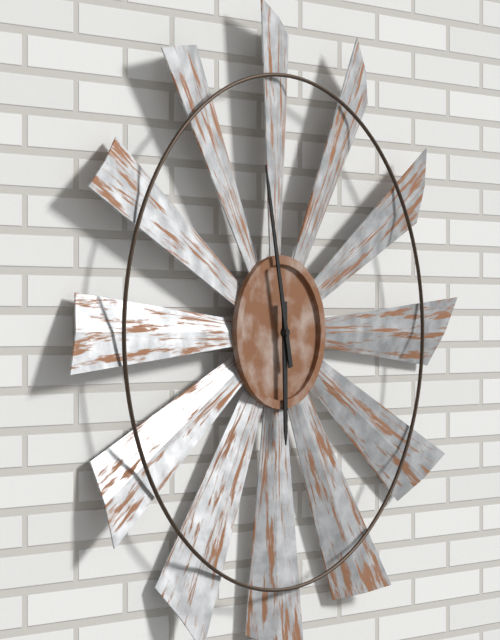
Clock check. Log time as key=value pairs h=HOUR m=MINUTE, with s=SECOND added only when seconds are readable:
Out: h=5 m=58
